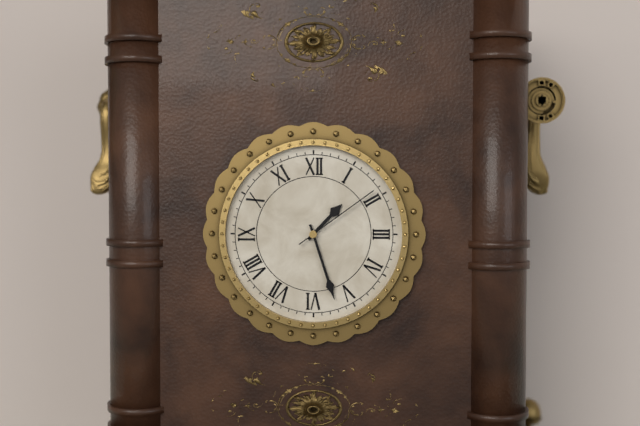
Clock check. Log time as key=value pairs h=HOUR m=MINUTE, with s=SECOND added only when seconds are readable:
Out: h=1 m=27 s=9
